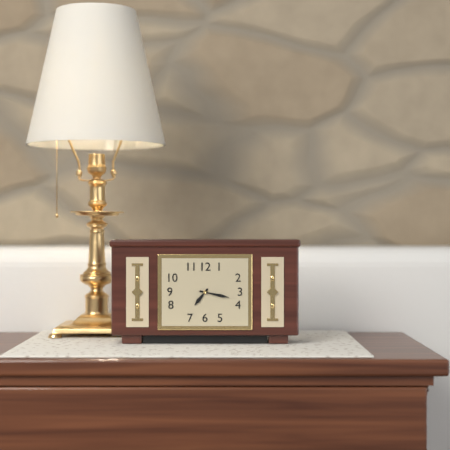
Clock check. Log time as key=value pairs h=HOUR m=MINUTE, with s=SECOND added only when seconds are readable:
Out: h=7 m=17
